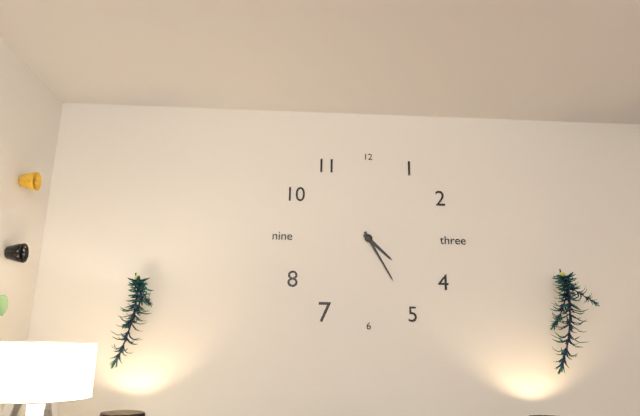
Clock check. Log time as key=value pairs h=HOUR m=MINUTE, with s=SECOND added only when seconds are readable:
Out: h=4 m=25
